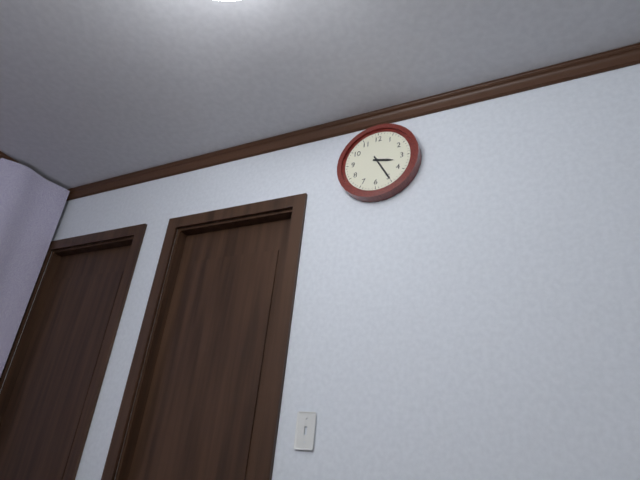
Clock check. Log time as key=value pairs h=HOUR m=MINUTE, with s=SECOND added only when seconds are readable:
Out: h=3 m=25
